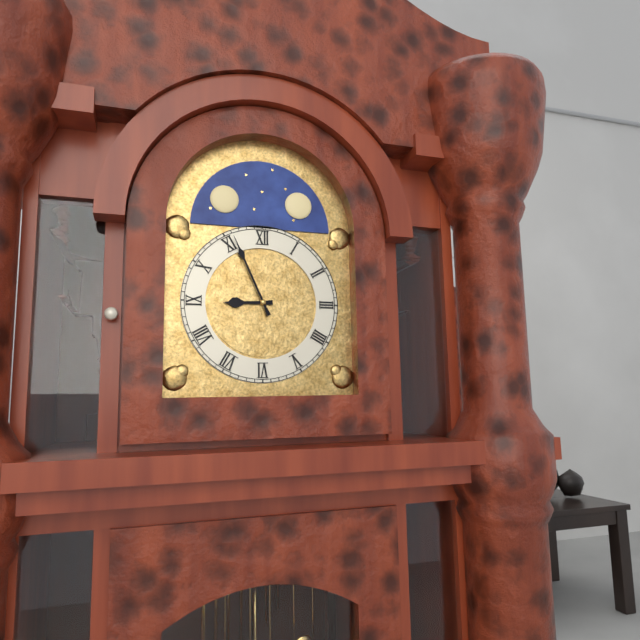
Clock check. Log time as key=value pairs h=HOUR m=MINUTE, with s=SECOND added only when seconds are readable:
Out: h=8 m=56
